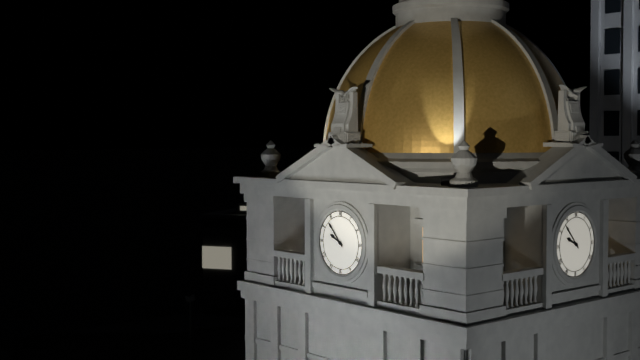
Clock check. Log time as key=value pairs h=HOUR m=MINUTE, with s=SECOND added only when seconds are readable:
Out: h=9 m=53
